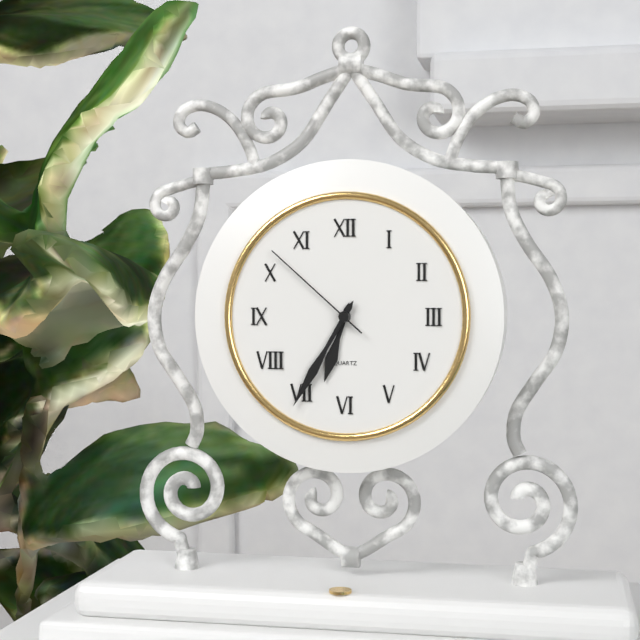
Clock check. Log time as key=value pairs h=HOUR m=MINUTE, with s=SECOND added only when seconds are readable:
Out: h=6 m=35 s=52
